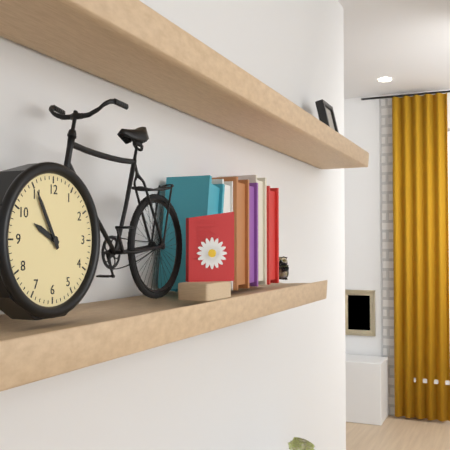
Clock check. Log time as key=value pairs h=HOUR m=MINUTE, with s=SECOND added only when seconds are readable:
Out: h=9 m=55
